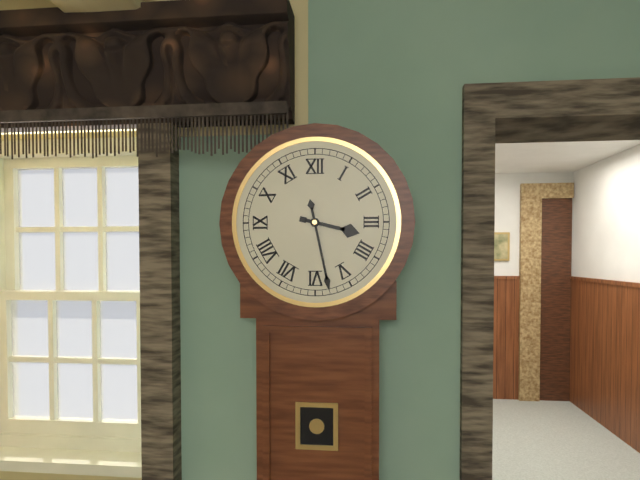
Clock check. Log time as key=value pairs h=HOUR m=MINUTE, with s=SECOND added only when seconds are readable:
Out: h=3 m=28
